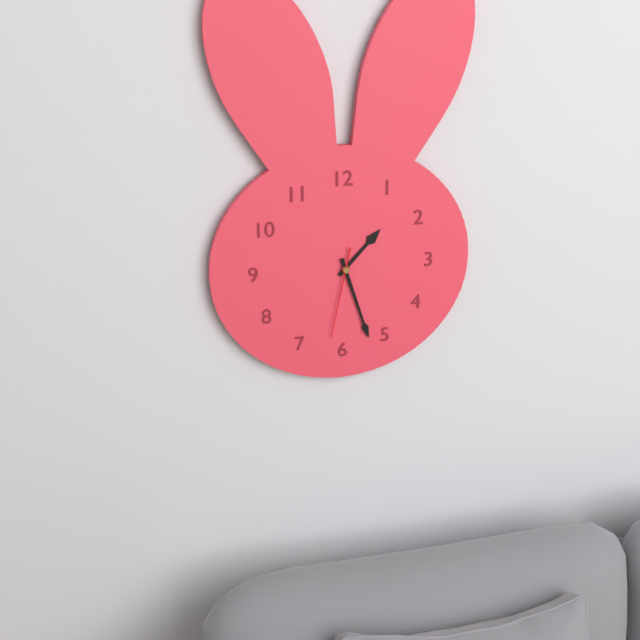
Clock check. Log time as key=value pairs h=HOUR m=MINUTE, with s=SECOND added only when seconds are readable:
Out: h=1 m=27 s=32
